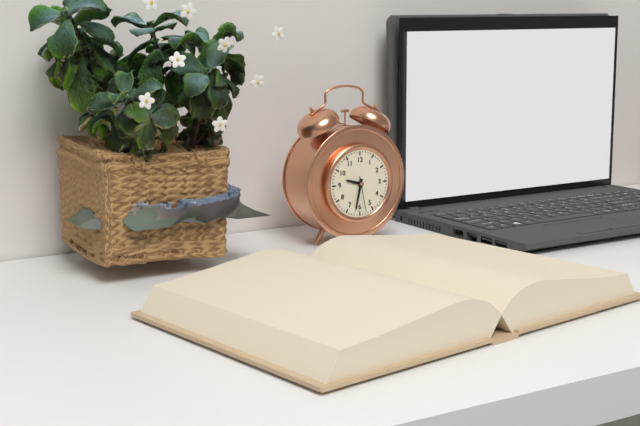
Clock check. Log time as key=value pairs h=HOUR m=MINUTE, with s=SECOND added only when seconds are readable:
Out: h=9 m=32
